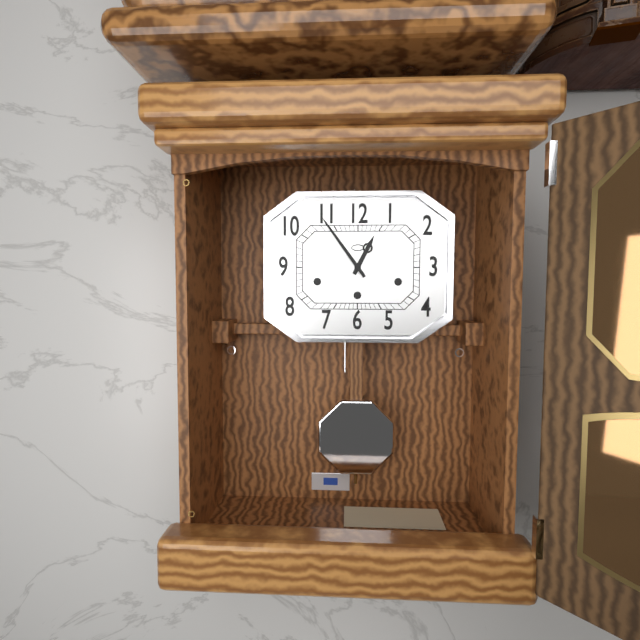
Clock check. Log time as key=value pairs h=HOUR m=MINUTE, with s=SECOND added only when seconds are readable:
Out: h=12 m=54
